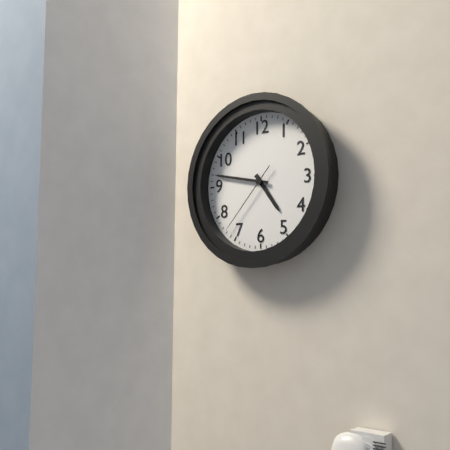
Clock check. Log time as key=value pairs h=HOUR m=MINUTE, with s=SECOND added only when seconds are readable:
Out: h=4 m=47 s=37
